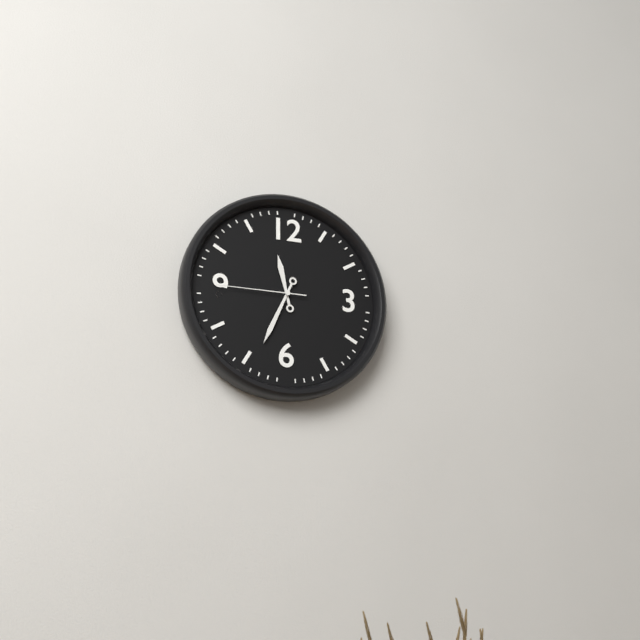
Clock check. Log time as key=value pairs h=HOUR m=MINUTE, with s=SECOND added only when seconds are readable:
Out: h=11 m=34 s=45
